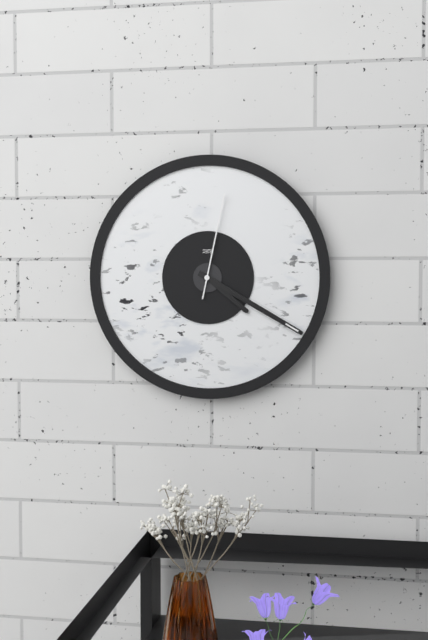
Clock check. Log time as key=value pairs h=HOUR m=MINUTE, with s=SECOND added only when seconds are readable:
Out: h=4 m=20 s=2
